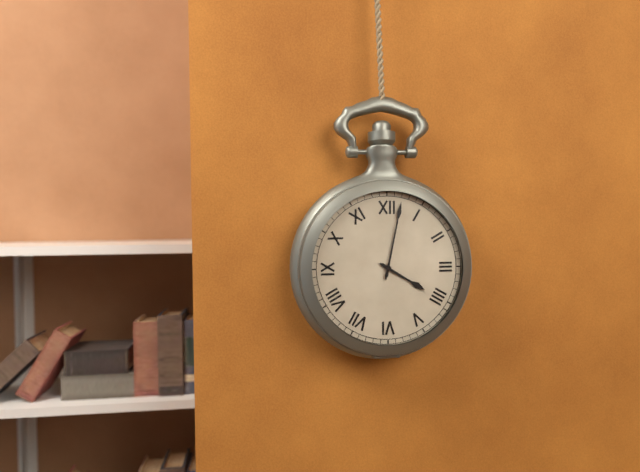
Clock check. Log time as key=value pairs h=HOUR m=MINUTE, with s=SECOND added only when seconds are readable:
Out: h=4 m=2
